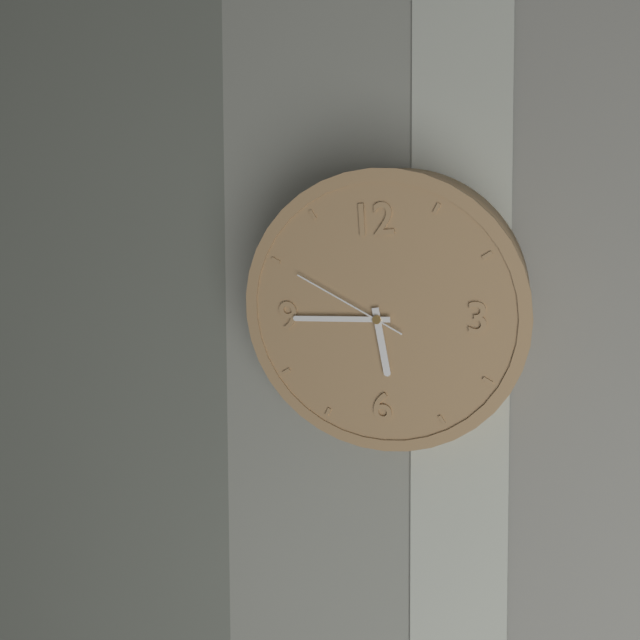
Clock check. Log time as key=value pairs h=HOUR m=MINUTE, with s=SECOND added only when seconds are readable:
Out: h=5 m=45 s=50
